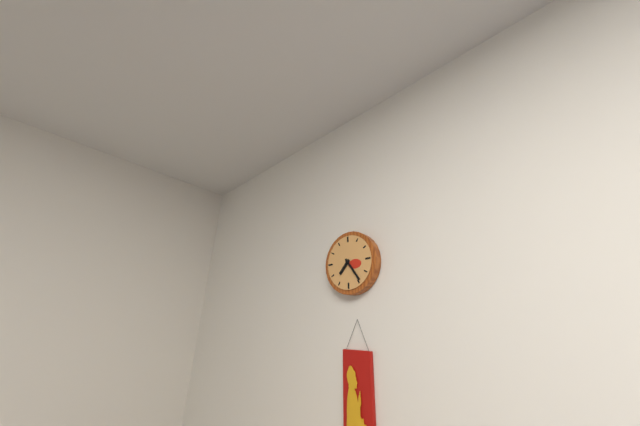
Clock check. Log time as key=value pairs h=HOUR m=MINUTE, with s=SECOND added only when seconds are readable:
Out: h=7 m=24
